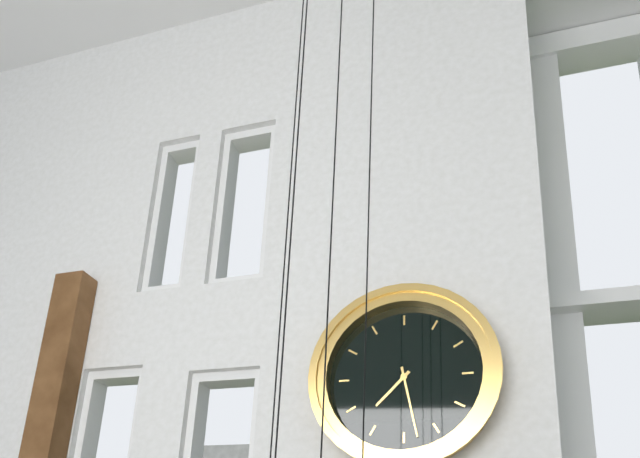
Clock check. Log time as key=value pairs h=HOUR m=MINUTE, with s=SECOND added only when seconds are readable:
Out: h=7 m=28
